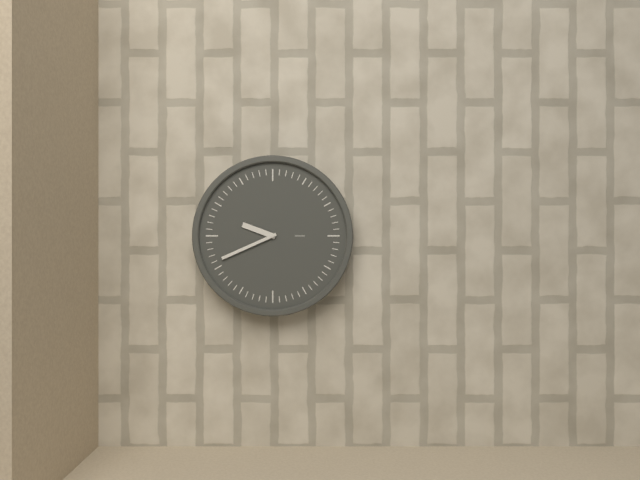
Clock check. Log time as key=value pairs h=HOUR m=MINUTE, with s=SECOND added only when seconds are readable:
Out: h=9 m=41
